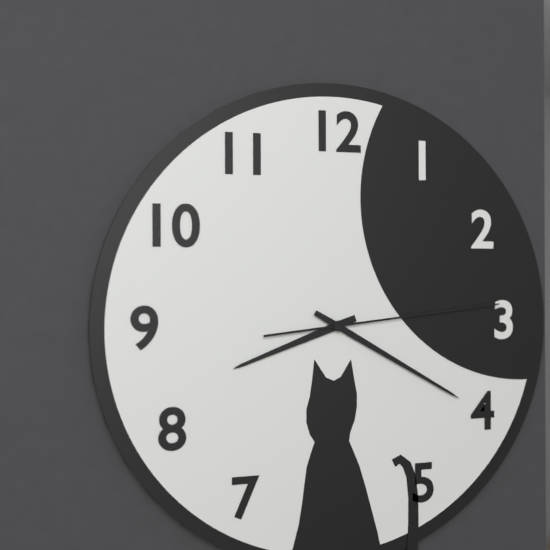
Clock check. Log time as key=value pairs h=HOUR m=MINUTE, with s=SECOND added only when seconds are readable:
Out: h=8 m=20 s=14
